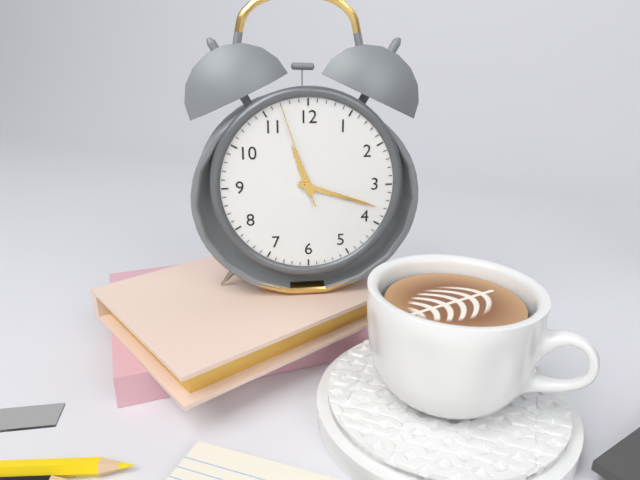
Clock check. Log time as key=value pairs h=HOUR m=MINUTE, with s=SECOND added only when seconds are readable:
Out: h=11 m=18 s=57
